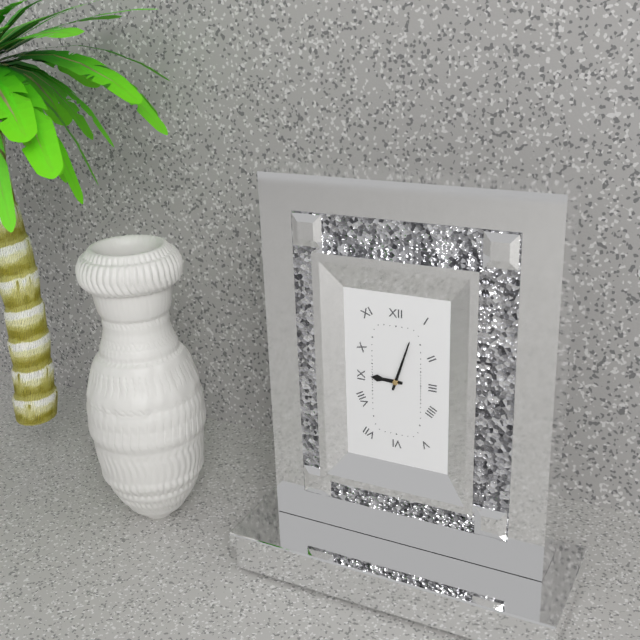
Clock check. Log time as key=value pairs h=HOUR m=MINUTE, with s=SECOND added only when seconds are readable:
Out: h=9 m=3
